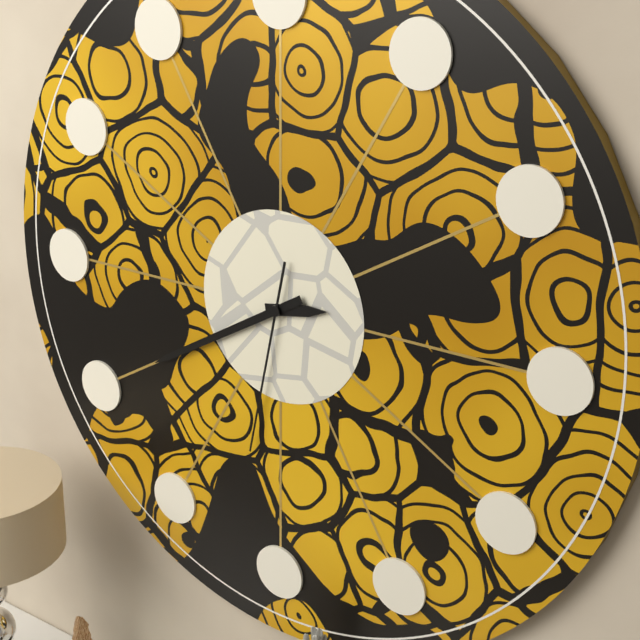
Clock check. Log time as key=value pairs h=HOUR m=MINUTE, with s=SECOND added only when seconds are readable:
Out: h=2 m=40 s=32
